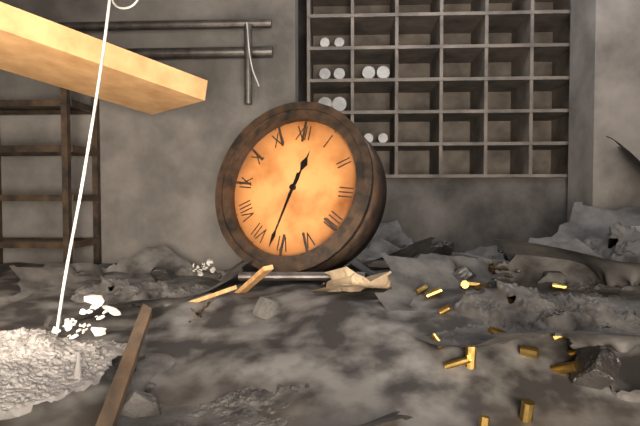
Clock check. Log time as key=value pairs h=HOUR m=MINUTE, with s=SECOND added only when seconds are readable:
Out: h=12 m=32
